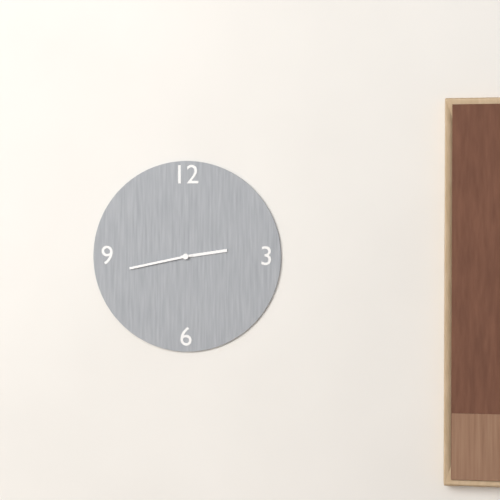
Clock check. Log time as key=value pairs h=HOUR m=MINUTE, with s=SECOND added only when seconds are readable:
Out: h=2 m=43
